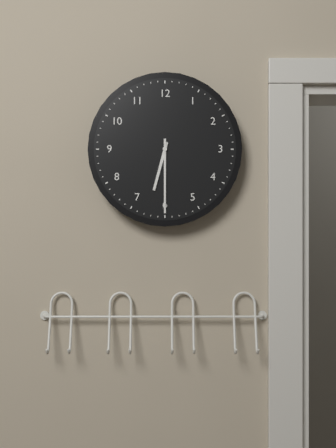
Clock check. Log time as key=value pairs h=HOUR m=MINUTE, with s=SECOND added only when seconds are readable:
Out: h=6 m=30
